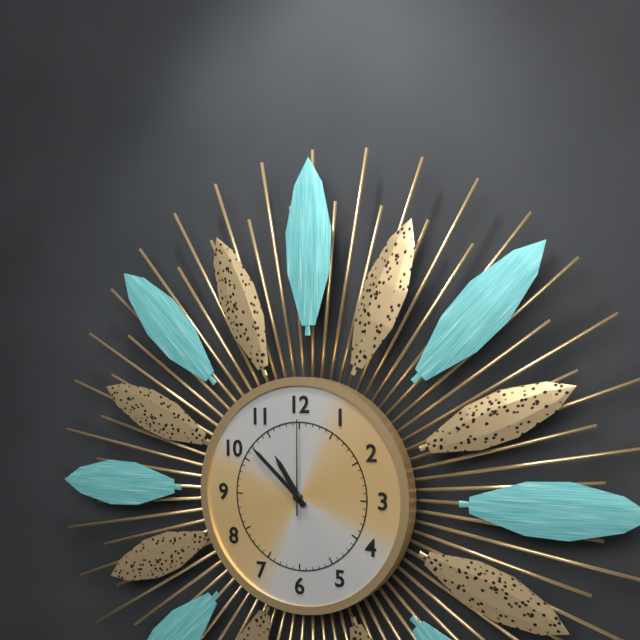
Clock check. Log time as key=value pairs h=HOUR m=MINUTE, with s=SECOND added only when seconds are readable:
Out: h=10 m=52 s=0
